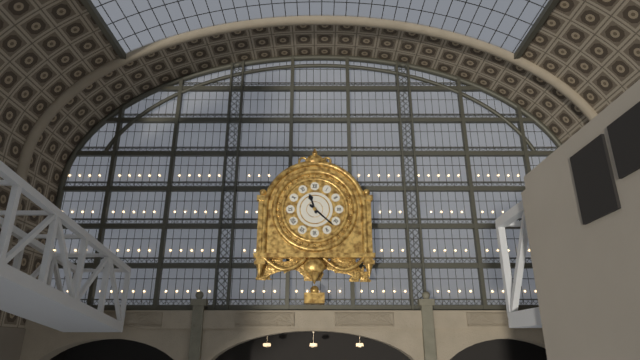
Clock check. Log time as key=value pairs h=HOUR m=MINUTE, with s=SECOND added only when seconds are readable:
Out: h=11 m=22
